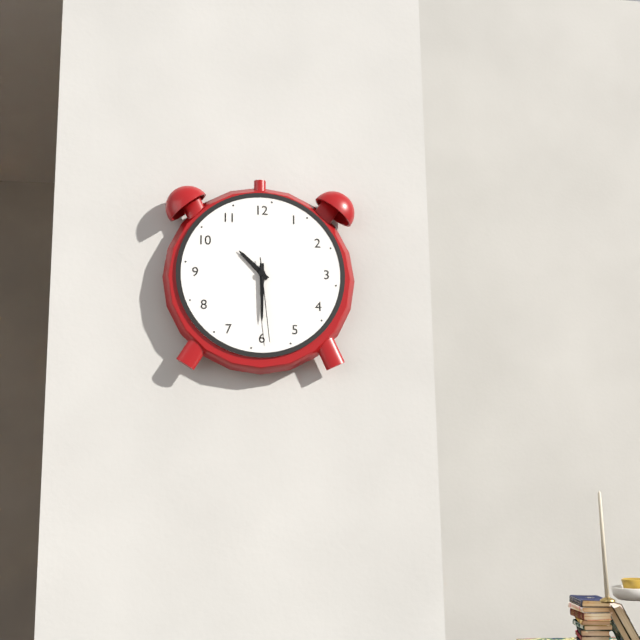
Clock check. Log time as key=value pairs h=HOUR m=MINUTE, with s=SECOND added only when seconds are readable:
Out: h=10 m=30 s=29
